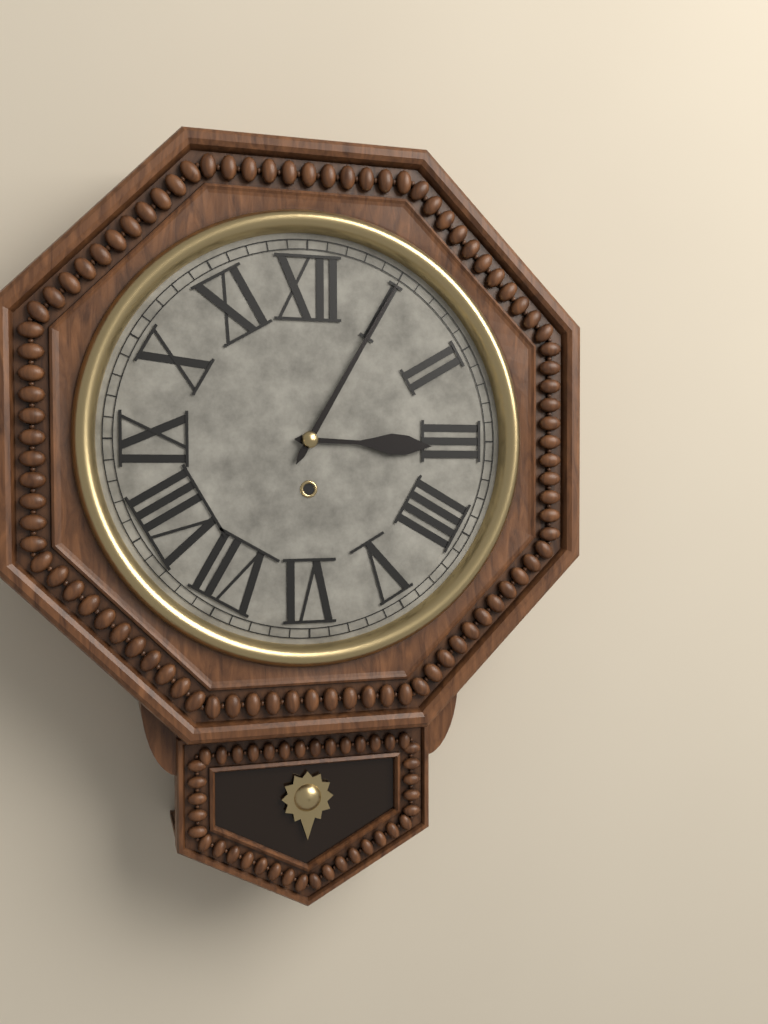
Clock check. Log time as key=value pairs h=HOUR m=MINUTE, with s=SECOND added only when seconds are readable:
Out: h=3 m=5
